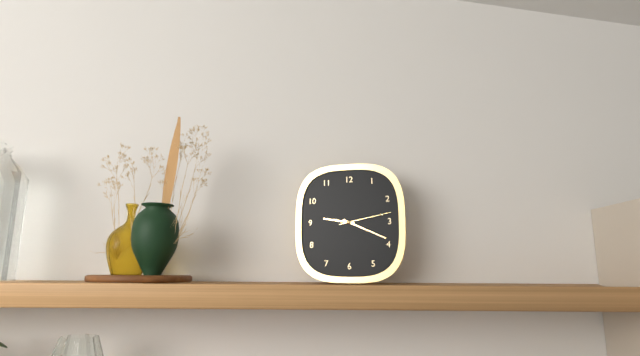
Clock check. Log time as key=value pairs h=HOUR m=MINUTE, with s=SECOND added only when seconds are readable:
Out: h=9 m=19 s=13
